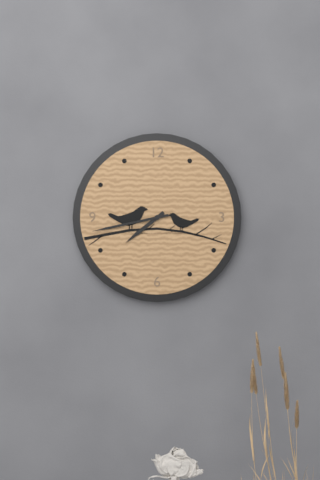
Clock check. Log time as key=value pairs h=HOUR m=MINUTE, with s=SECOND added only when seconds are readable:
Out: h=7 m=43
